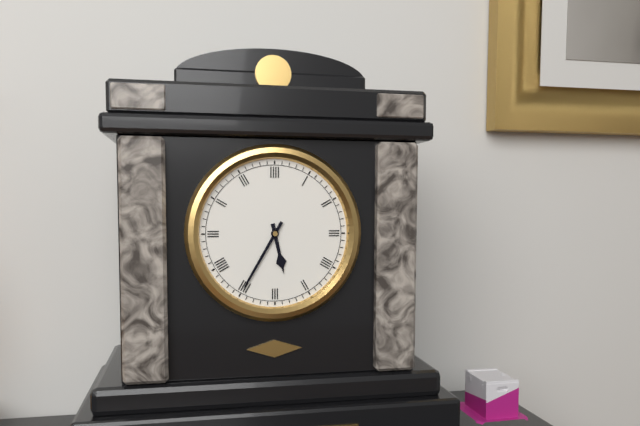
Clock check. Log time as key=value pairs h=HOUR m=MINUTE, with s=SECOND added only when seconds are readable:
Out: h=5 m=35
